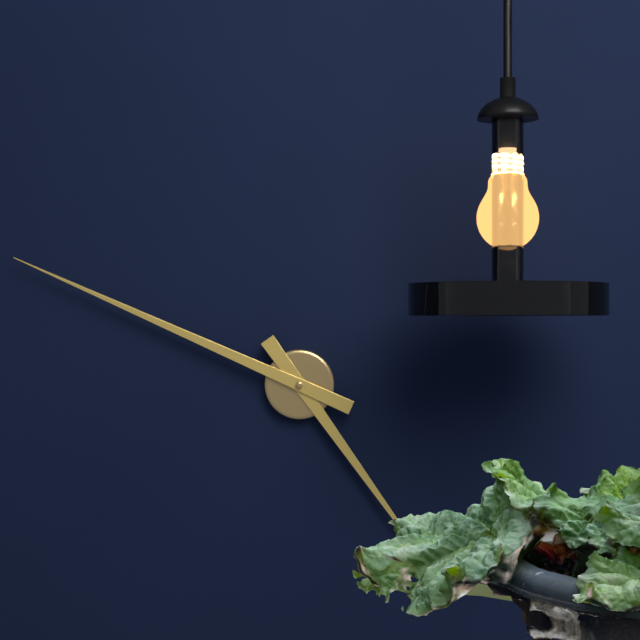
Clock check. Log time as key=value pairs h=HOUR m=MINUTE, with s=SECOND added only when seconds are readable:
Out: h=4 m=49
